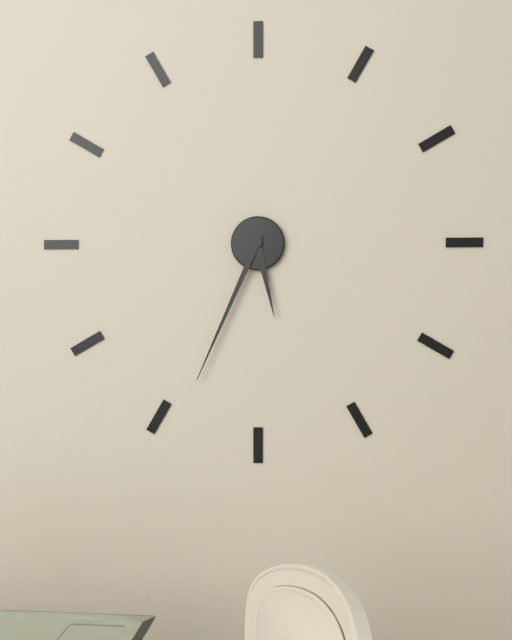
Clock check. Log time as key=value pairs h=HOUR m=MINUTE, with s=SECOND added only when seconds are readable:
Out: h=5 m=34
